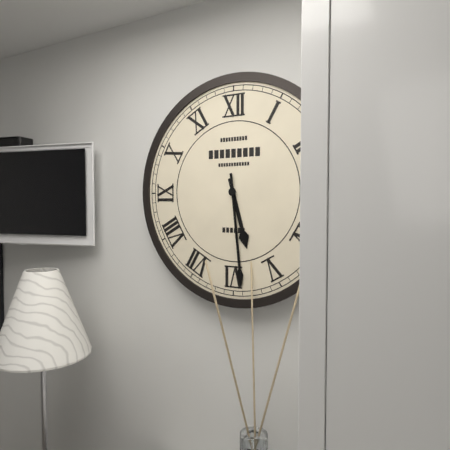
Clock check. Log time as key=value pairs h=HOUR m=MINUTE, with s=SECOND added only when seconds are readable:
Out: h=5 m=29
